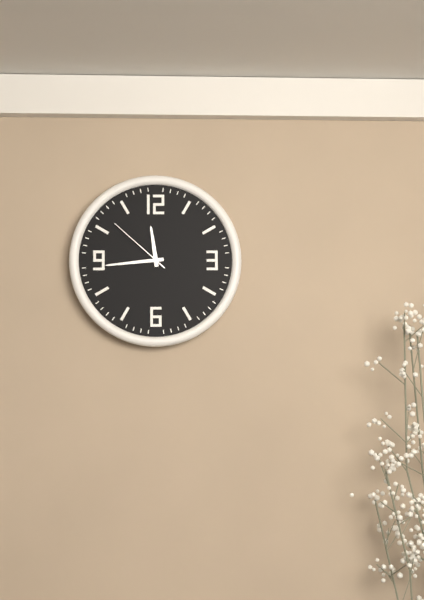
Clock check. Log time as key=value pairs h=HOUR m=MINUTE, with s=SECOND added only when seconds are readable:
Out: h=11 m=44 s=52
